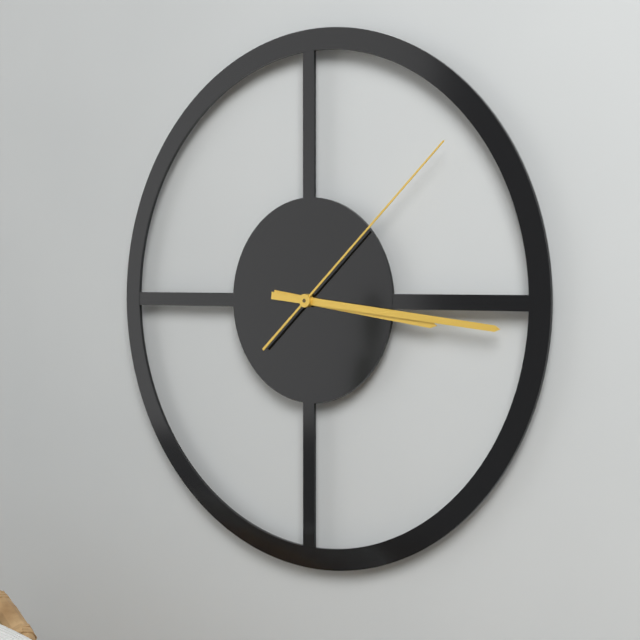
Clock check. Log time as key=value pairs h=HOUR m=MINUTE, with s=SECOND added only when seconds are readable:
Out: h=3 m=16 s=8
